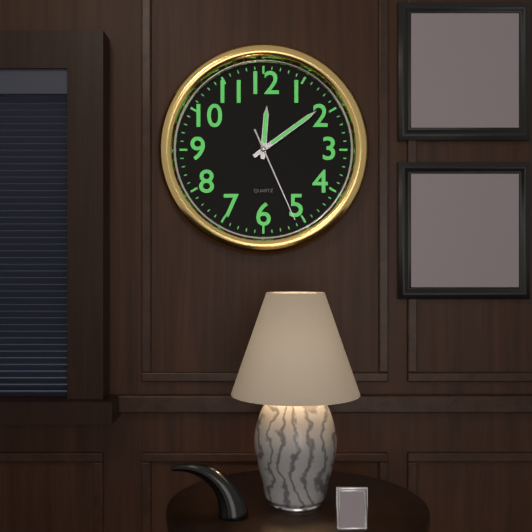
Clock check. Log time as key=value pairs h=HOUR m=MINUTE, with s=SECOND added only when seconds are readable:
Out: h=12 m=9 s=26
